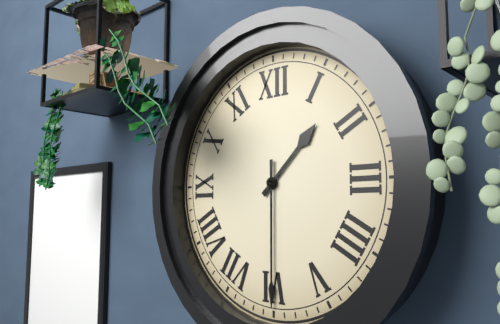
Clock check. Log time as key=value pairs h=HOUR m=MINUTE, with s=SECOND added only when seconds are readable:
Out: h=1 m=30
